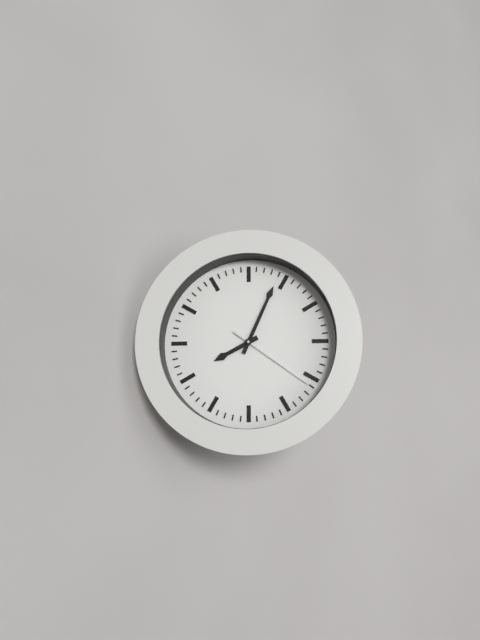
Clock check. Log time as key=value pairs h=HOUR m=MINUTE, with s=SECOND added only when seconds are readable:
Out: h=8 m=4 s=21
